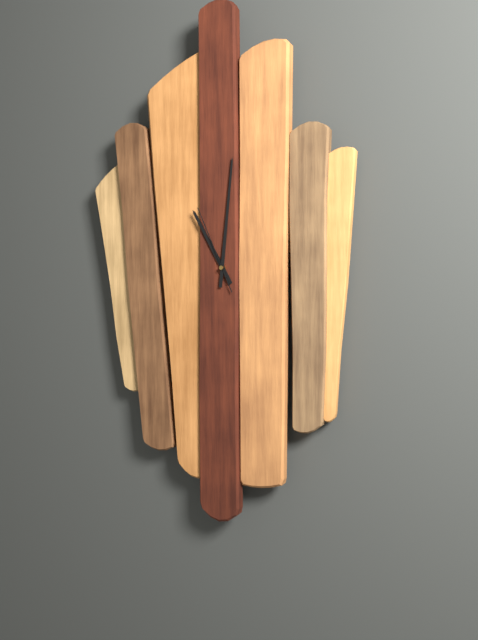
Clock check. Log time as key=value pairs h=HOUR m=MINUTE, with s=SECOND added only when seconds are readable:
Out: h=11 m=1 s=56
